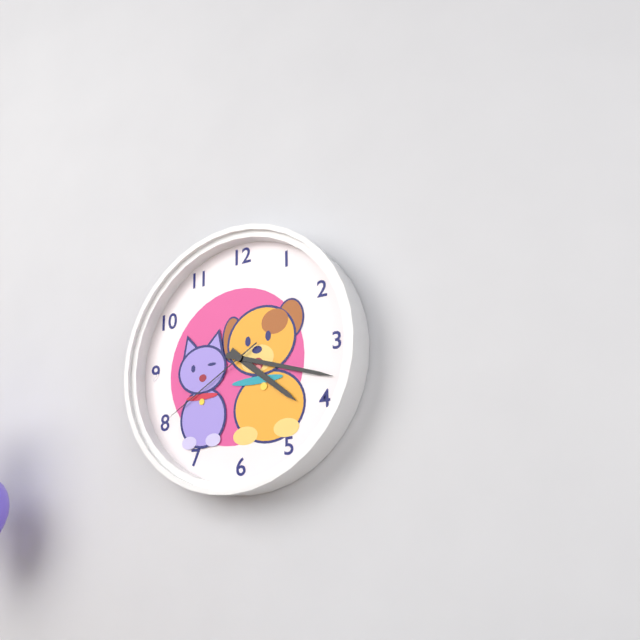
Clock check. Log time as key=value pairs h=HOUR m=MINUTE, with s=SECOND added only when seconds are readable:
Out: h=4 m=18 s=40
